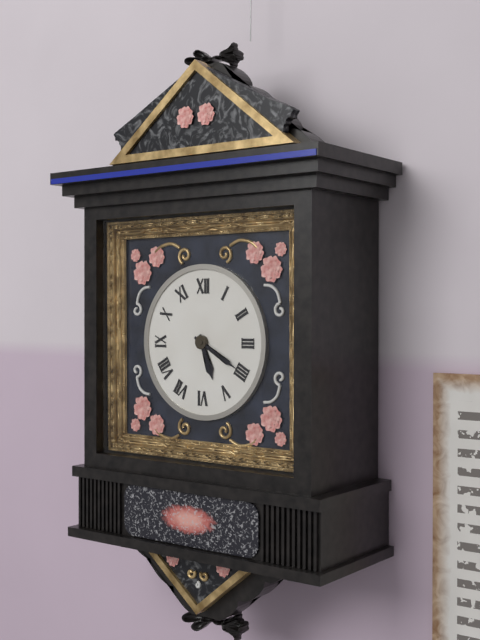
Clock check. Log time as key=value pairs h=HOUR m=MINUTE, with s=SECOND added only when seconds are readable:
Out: h=5 m=20
